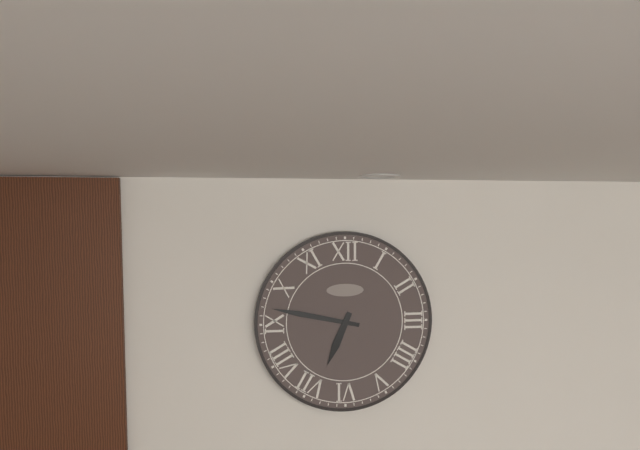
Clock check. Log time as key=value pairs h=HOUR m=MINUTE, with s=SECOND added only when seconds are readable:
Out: h=6 m=47
